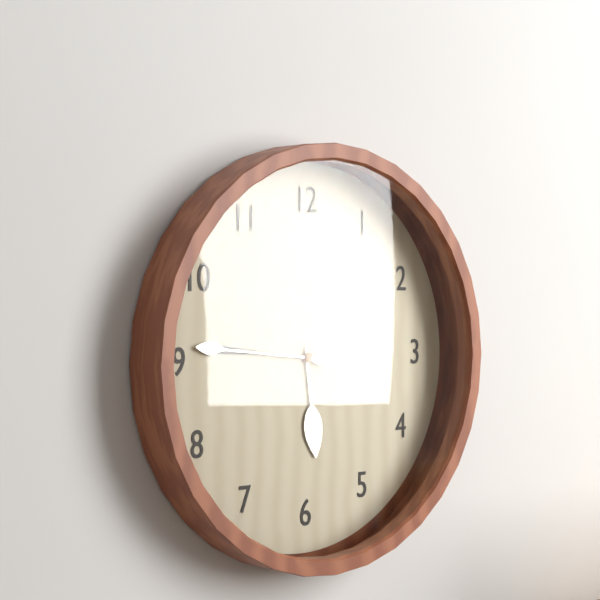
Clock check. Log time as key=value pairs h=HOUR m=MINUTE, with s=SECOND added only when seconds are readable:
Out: h=5 m=46
